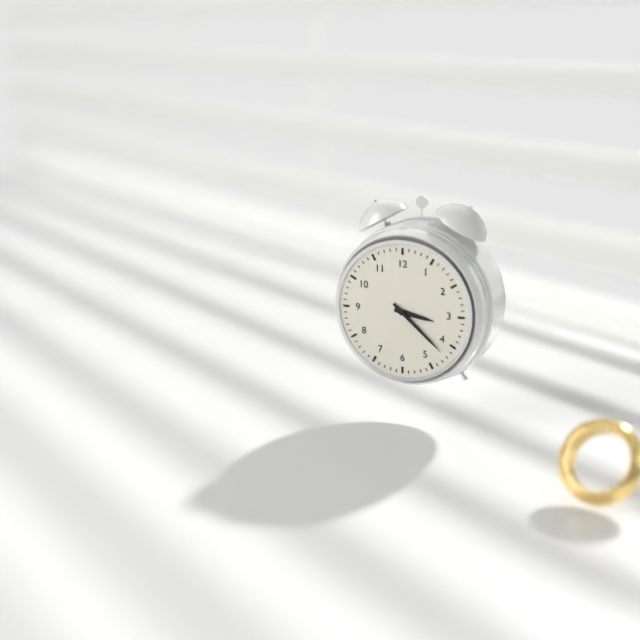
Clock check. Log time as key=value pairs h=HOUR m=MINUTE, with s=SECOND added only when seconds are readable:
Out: h=3 m=22
